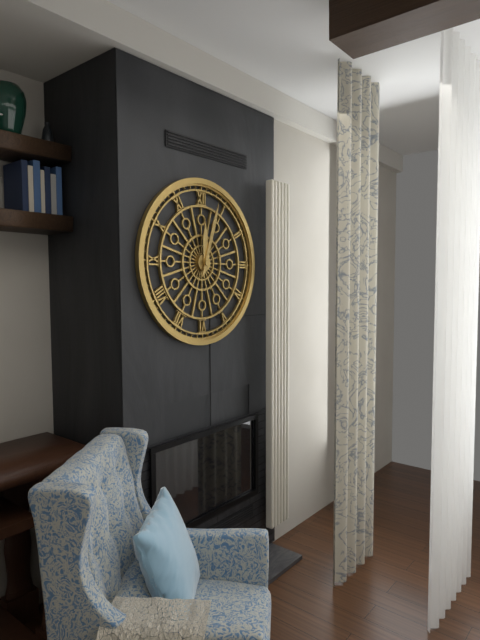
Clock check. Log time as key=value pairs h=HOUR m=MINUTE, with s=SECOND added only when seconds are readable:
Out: h=12 m=3
